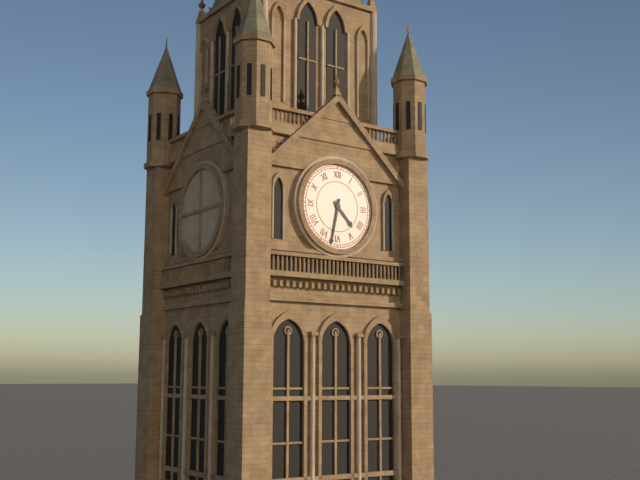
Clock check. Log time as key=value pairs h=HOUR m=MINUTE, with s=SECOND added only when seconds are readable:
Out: h=4 m=32
